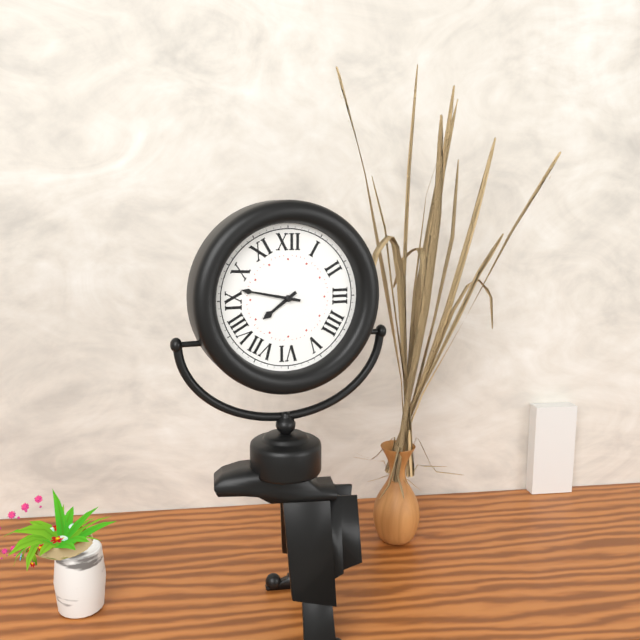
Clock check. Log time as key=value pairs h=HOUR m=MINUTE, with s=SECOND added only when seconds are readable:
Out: h=7 m=47
